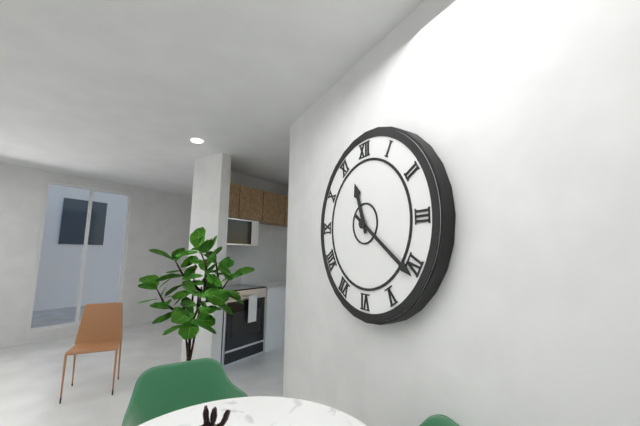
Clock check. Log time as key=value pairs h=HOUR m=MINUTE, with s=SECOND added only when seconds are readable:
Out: h=11 m=21
